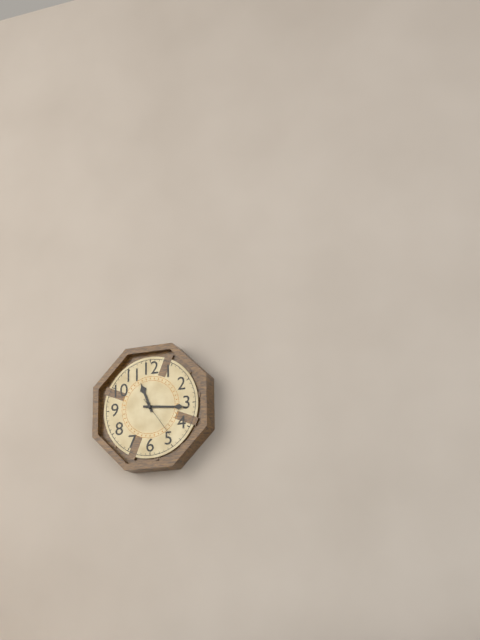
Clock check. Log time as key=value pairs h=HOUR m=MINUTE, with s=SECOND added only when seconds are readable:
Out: h=11 m=16
